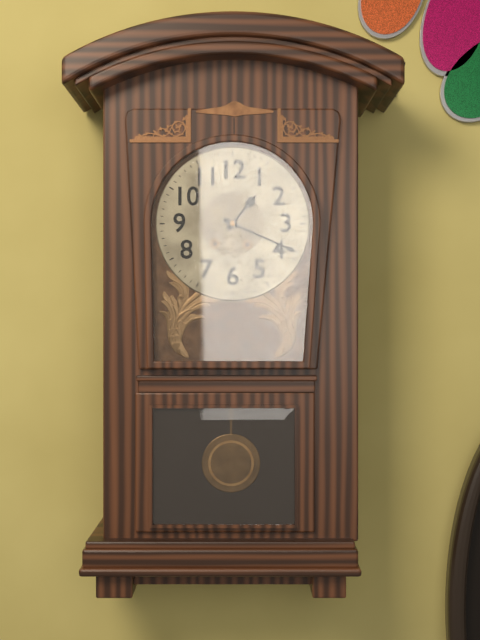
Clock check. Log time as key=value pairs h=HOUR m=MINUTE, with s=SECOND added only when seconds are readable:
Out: h=1 m=19
